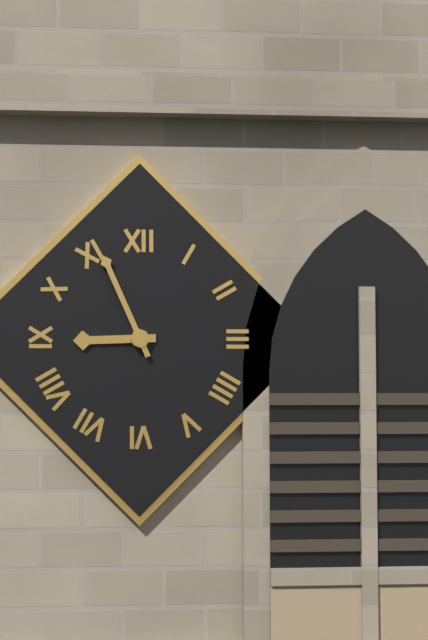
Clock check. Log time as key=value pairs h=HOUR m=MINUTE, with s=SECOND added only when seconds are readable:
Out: h=8 m=56
